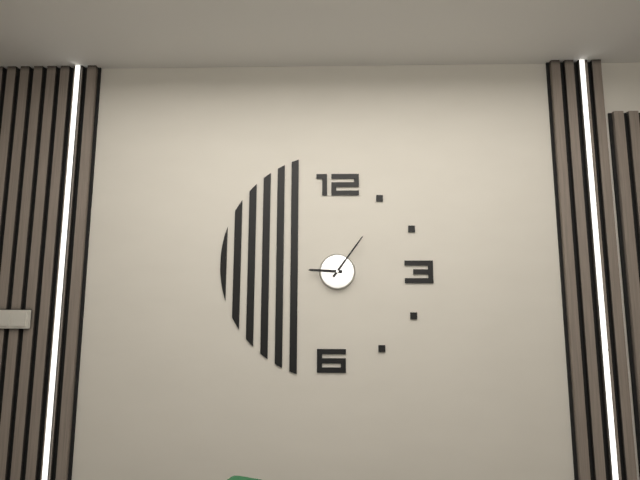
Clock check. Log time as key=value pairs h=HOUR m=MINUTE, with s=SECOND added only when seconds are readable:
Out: h=9 m=6
